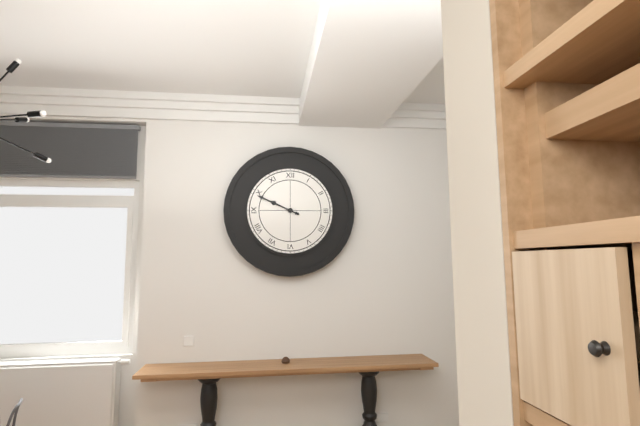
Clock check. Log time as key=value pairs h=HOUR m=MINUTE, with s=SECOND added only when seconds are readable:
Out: h=9 m=49
